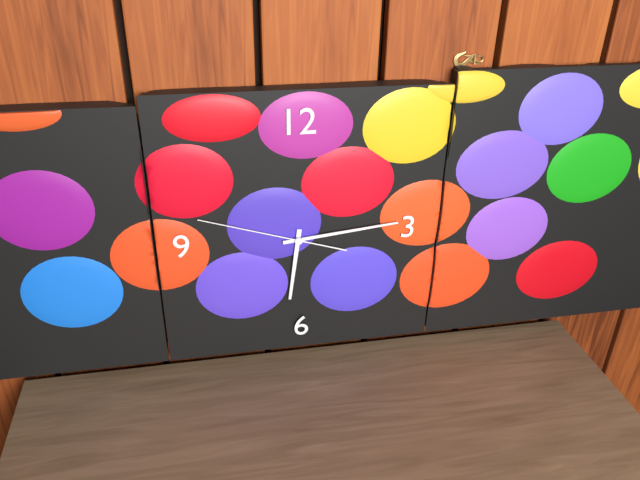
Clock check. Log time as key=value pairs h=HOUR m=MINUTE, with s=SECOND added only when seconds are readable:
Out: h=6 m=14 s=48
